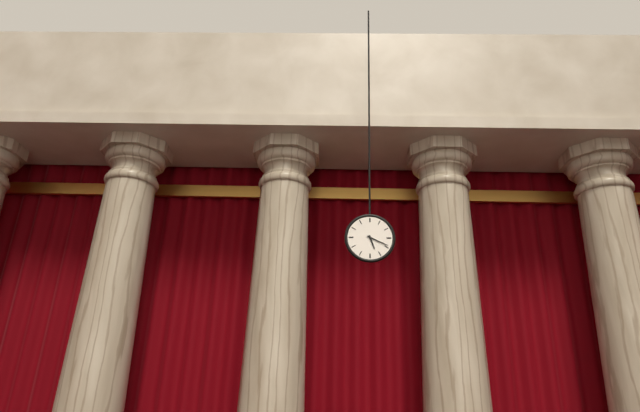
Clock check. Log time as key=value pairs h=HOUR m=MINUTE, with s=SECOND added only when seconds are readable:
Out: h=5 m=19
